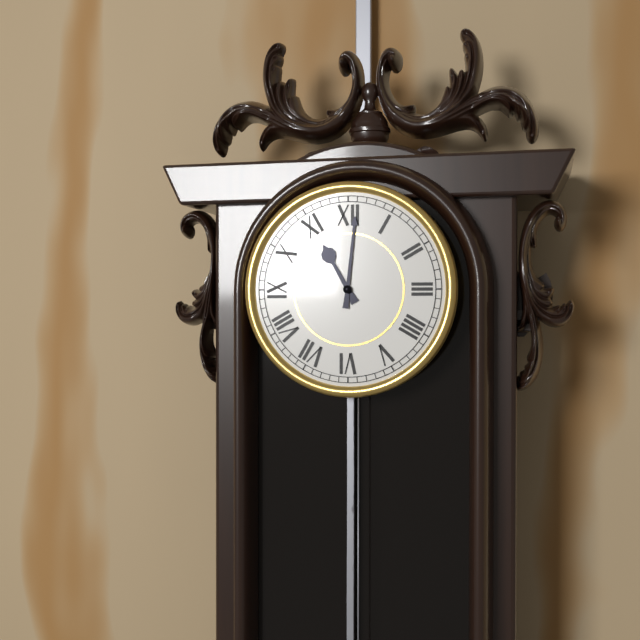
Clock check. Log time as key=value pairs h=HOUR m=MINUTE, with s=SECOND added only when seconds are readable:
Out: h=11 m=1
